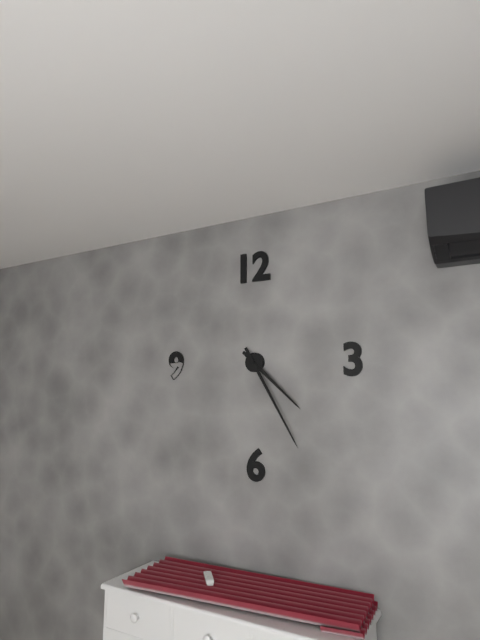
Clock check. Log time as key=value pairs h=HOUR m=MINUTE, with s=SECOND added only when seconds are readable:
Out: h=4 m=25
